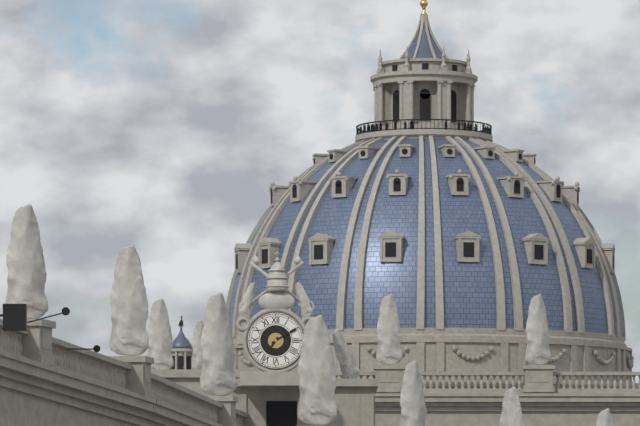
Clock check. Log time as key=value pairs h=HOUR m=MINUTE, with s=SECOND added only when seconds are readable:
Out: h=7 m=10
